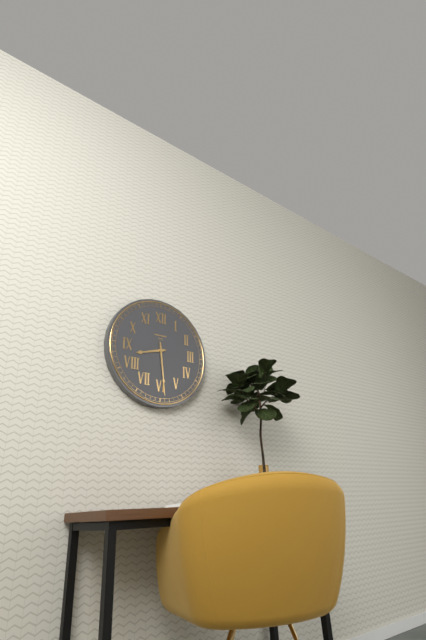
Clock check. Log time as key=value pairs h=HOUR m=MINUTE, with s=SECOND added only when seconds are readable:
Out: h=8 m=29
